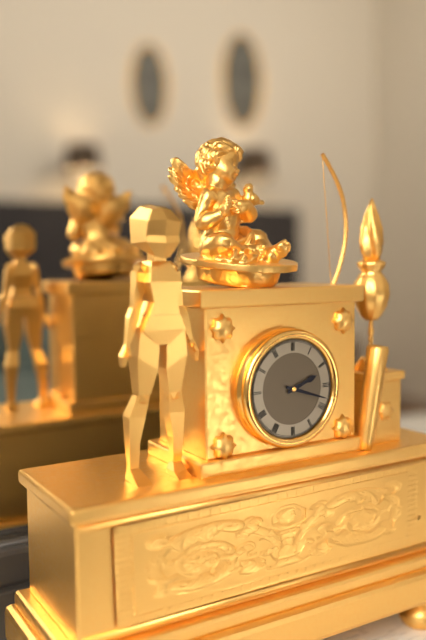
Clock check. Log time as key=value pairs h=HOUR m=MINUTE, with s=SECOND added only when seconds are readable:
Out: h=2 m=18
